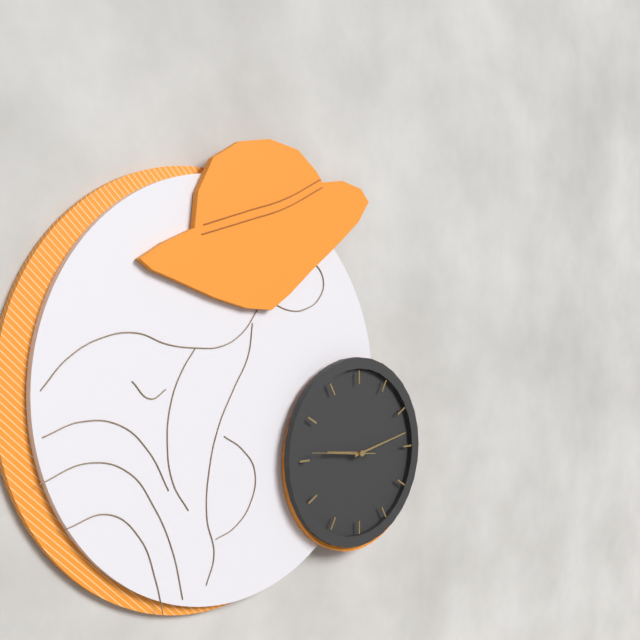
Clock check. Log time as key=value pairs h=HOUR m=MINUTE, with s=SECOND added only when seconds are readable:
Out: h=9 m=13 s=46
